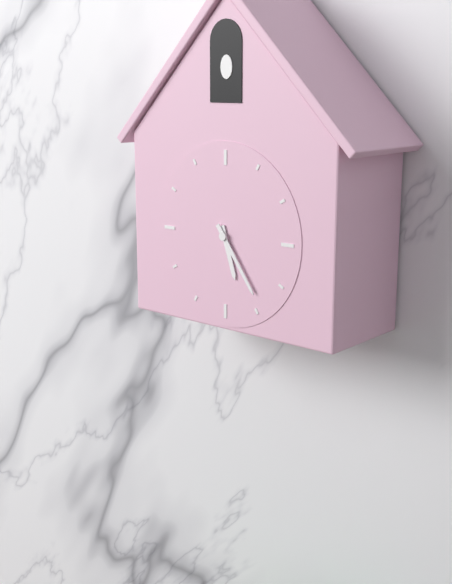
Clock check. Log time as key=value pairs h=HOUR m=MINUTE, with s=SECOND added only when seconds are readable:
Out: h=5 m=24
